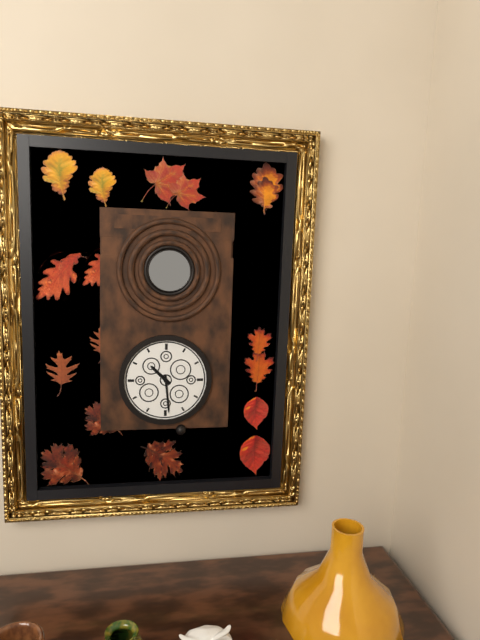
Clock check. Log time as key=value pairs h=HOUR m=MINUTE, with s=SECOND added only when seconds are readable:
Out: h=10 m=29
